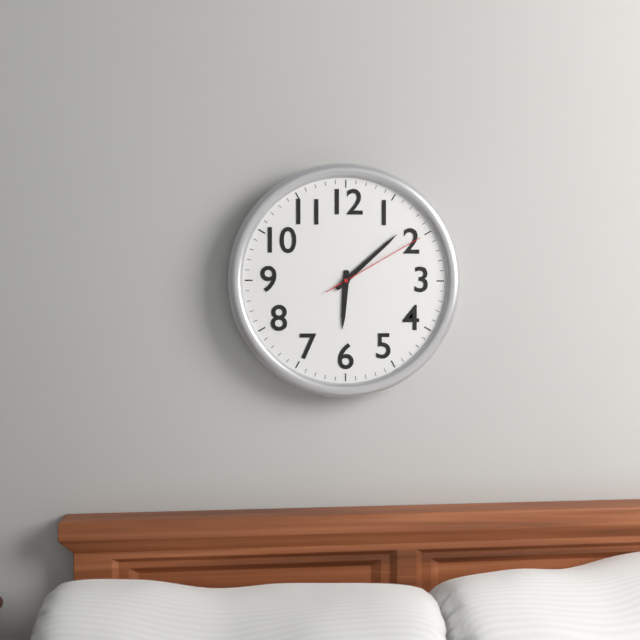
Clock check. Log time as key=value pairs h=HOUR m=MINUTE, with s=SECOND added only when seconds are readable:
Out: h=6 m=8 s=10
